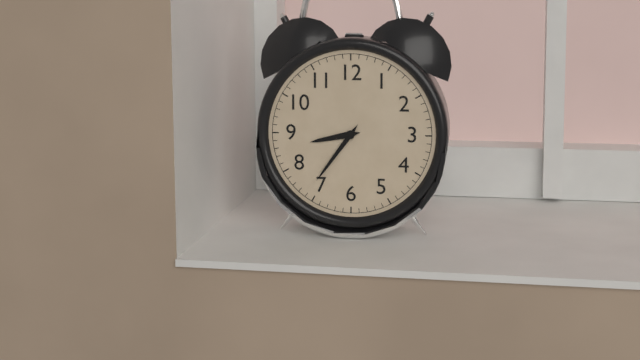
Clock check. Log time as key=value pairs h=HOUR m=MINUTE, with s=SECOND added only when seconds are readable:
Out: h=8 m=36
